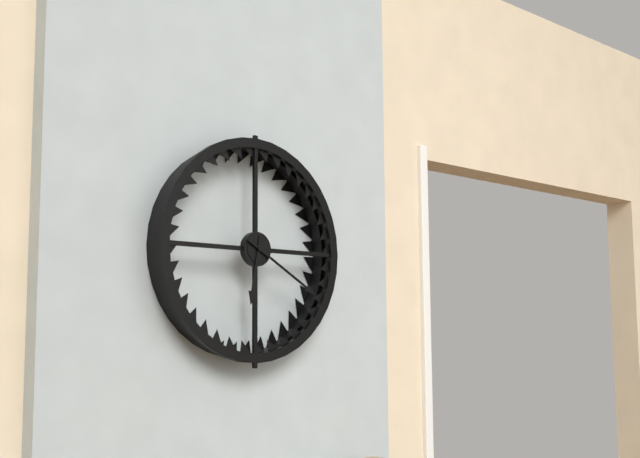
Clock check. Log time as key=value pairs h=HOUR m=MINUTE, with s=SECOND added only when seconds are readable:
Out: h=6 m=20
